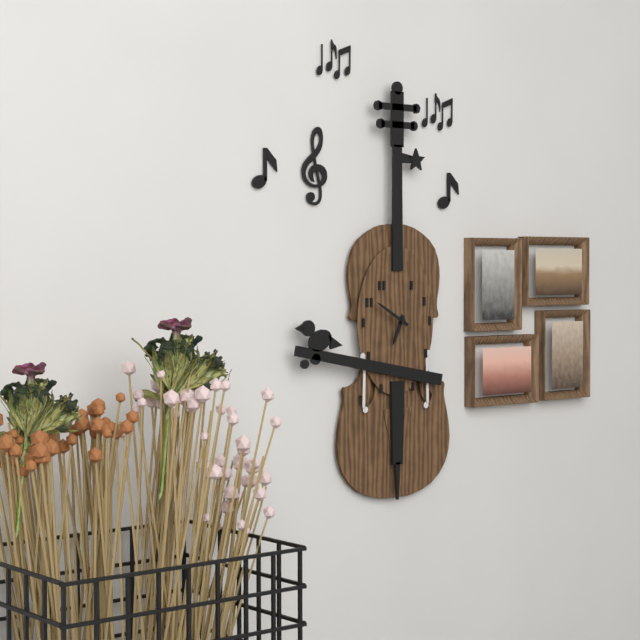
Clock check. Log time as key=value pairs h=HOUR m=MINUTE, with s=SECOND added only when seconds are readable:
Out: h=6 m=50
